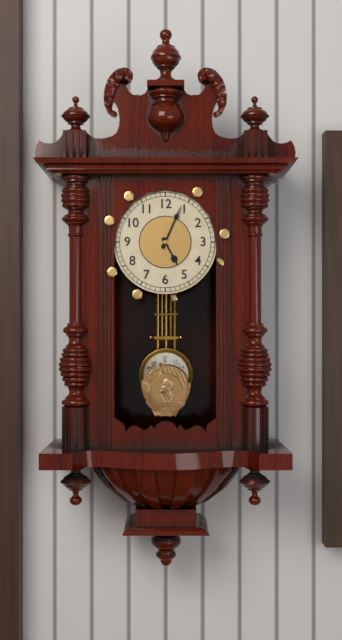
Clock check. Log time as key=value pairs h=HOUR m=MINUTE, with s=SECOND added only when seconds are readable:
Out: h=5 m=4
